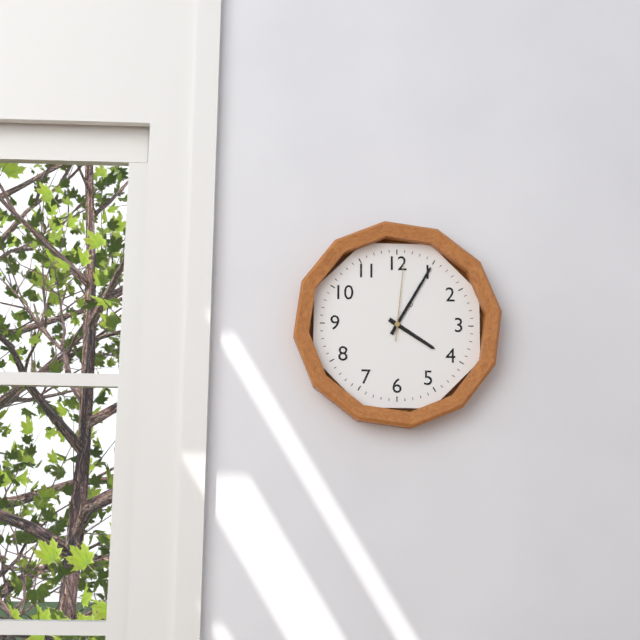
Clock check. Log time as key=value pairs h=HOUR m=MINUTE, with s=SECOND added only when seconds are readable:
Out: h=4 m=5 s=1
